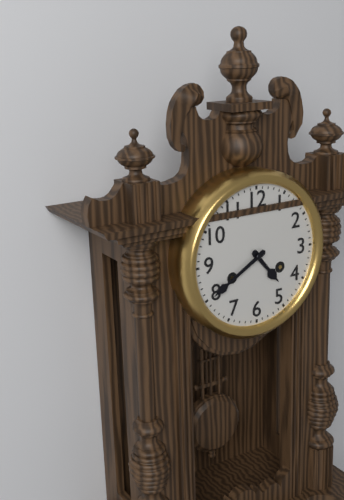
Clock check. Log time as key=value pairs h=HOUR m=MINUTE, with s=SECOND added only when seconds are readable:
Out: h=4 m=40
